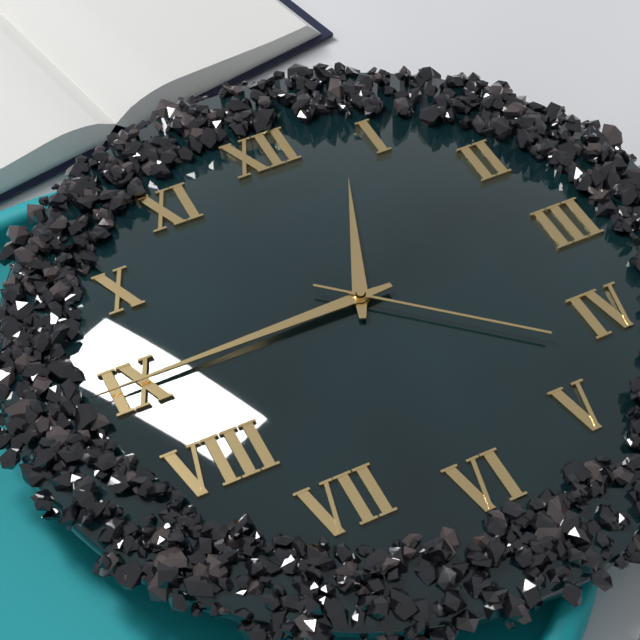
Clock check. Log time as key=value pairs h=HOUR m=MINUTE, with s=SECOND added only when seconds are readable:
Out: h=12 m=45 s=22
